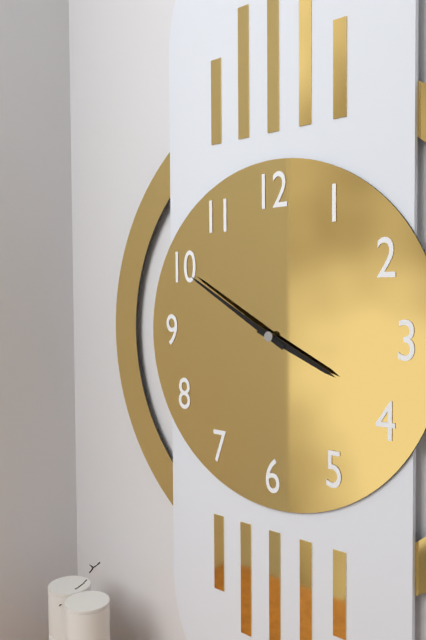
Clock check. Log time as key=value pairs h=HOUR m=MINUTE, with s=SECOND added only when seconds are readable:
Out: h=3 m=50
